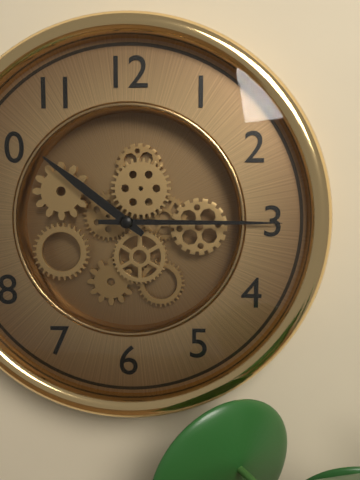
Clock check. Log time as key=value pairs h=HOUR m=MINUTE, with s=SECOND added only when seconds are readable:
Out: h=10 m=15
